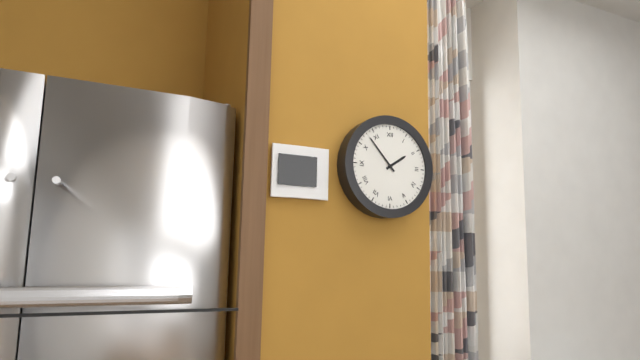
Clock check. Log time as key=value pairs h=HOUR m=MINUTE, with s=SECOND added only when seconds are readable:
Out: h=1 m=53
